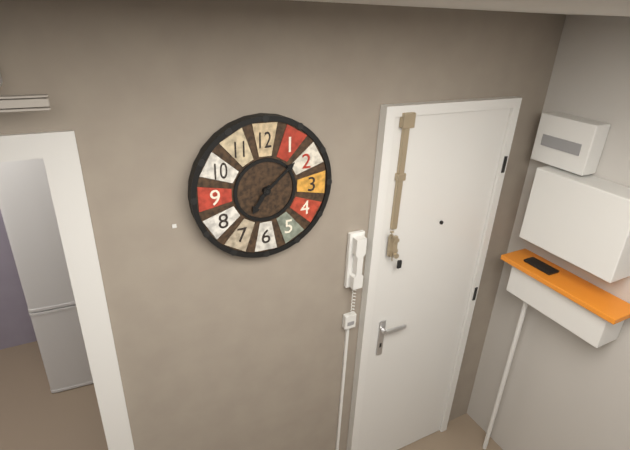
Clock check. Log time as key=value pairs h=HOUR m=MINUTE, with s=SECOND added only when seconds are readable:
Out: h=7 m=8
